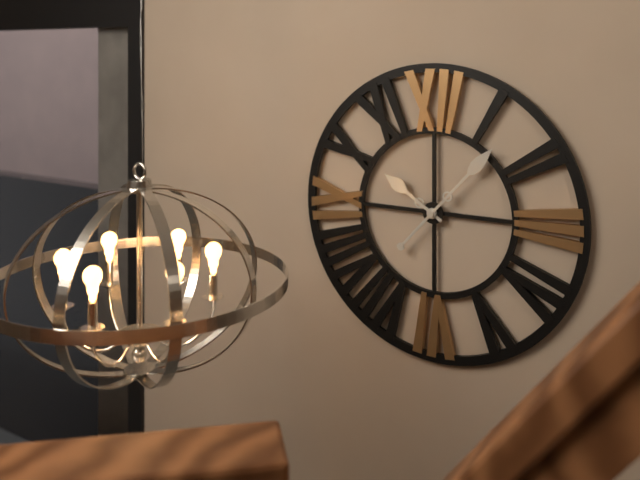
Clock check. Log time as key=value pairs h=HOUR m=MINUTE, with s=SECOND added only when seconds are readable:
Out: h=10 m=7
